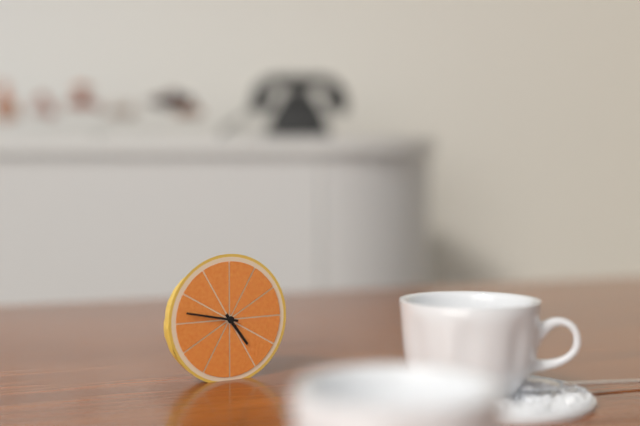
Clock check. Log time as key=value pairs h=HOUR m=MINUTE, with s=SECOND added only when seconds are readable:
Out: h=4 m=47
